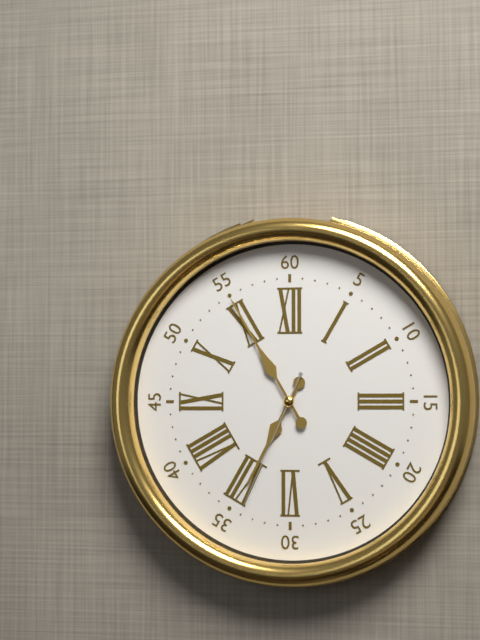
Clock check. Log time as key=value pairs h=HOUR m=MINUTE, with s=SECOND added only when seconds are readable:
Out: h=6 m=55 s=34
